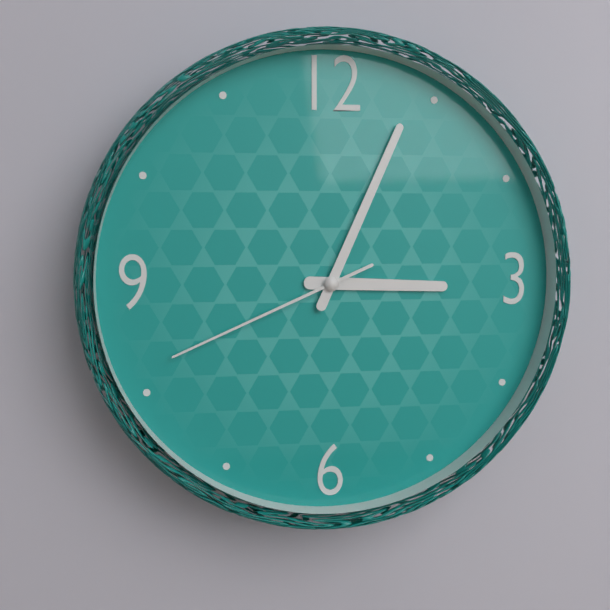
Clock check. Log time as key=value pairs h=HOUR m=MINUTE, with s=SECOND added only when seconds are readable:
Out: h=3 m=4 s=41
